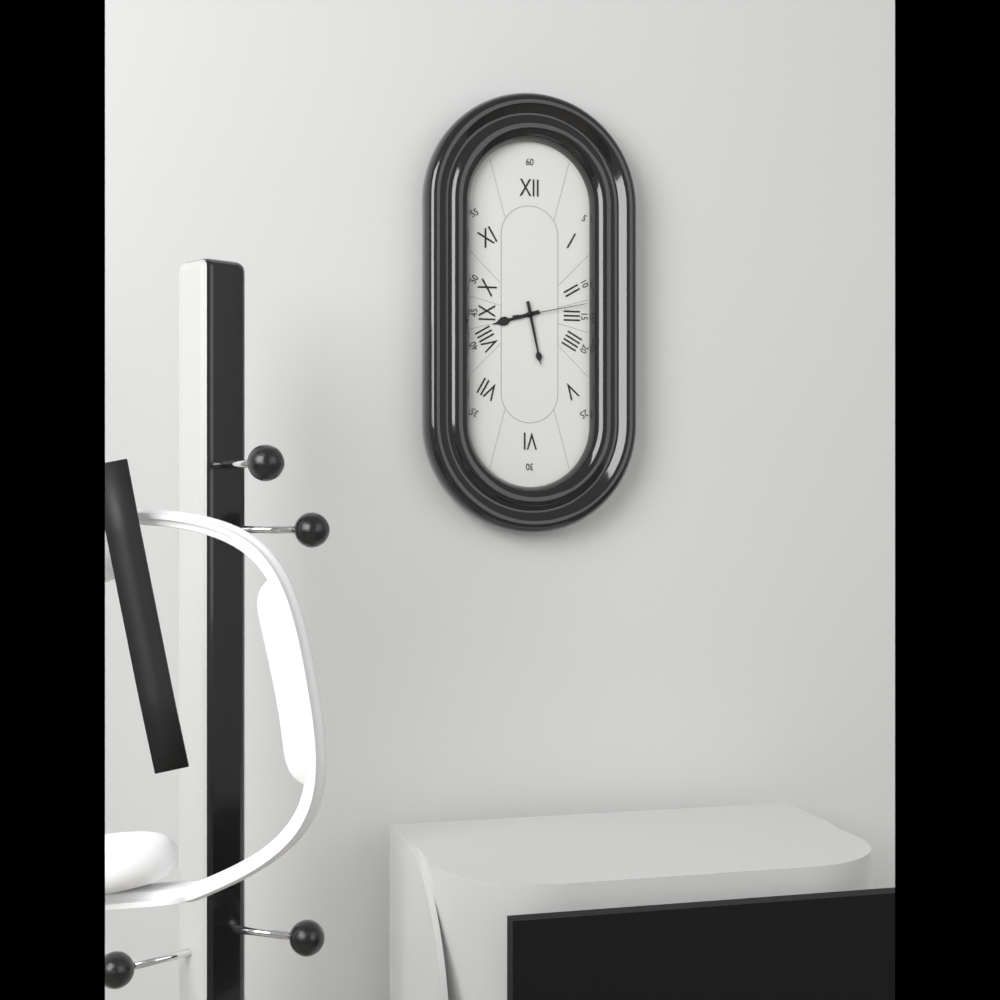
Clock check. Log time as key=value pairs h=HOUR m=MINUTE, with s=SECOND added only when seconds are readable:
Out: h=8 m=28 s=13
